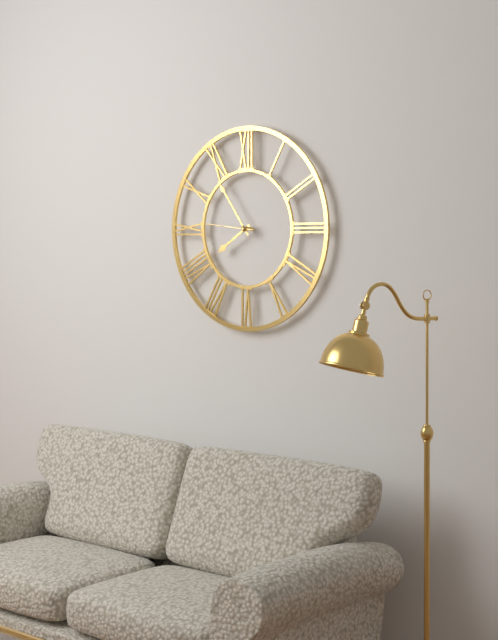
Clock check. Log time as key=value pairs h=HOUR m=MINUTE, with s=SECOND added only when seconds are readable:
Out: h=7 m=54 s=46
